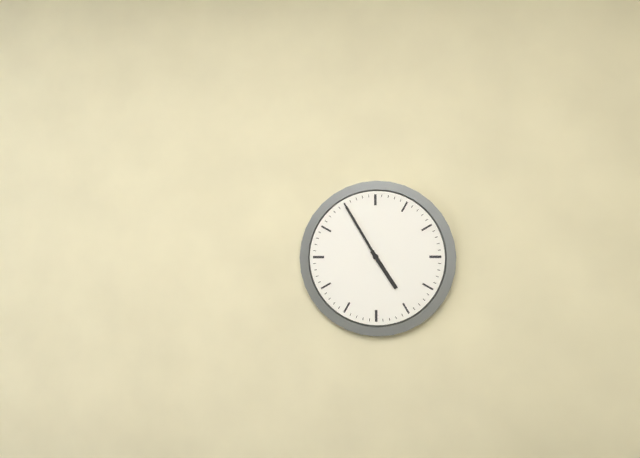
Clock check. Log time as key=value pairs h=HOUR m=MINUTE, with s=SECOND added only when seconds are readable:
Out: h=4 m=55
